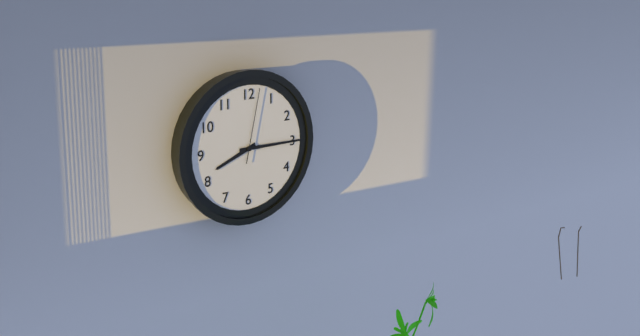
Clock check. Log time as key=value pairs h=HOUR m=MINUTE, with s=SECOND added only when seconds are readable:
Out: h=8 m=15 s=2
